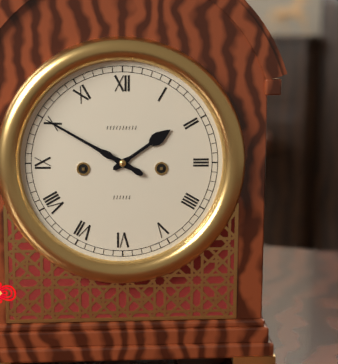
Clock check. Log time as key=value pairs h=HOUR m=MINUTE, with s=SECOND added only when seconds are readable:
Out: h=1 m=50
